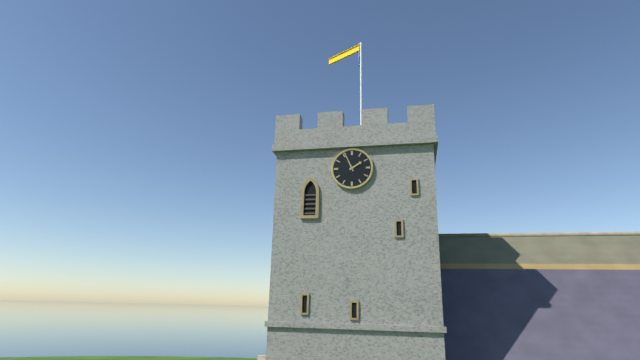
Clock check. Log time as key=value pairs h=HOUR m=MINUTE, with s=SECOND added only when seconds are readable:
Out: h=1 m=56
